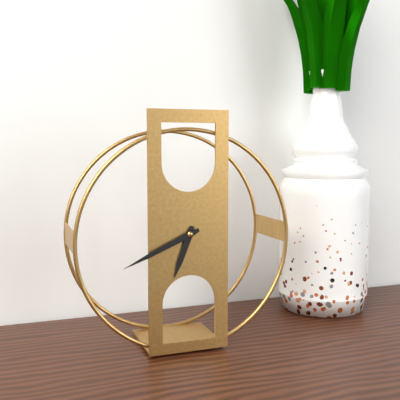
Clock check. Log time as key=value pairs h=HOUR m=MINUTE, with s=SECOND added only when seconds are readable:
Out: h=6 m=41
